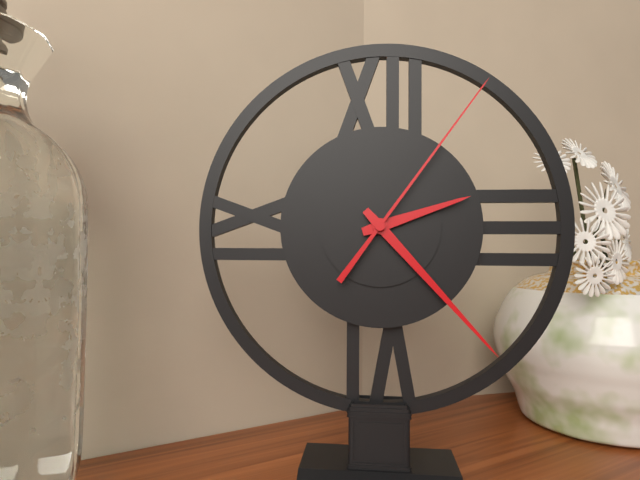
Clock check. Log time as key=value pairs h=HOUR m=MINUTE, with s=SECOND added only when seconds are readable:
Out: h=2 m=23 s=6
